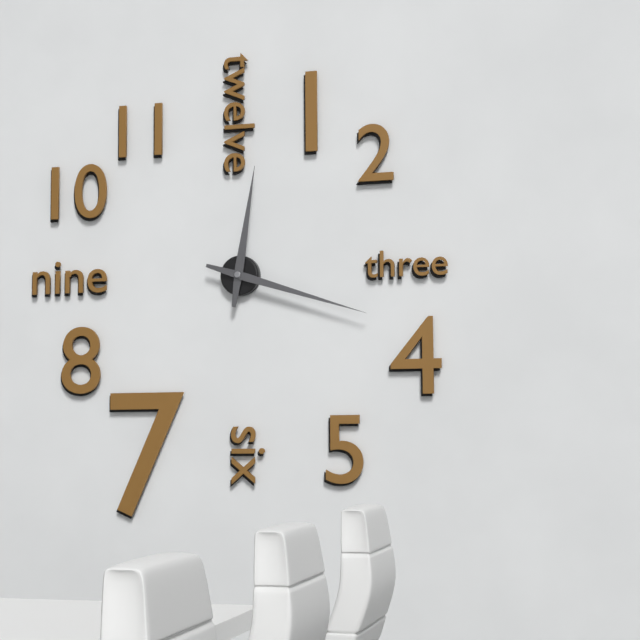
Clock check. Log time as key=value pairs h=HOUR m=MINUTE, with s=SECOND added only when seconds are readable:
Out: h=12 m=18
